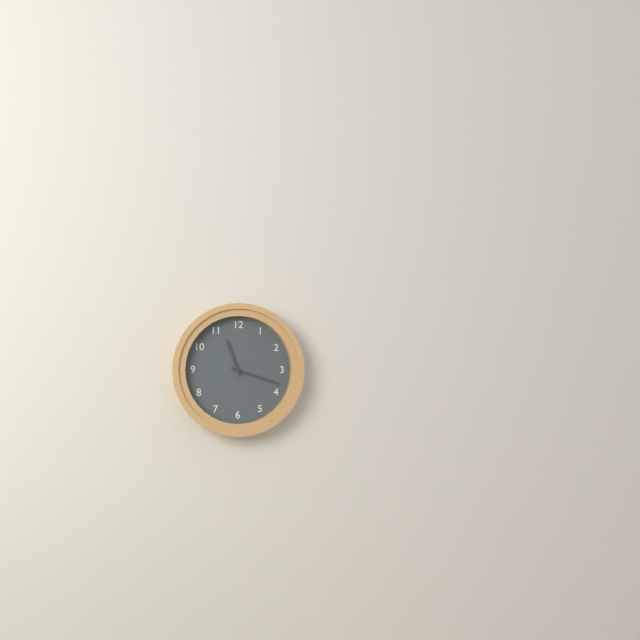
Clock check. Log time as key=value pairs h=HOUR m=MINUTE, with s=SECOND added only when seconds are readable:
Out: h=11 m=18
